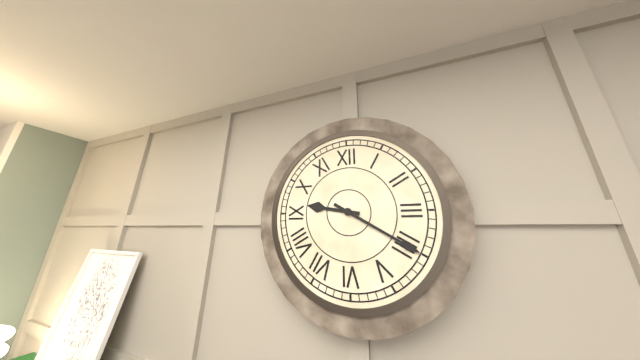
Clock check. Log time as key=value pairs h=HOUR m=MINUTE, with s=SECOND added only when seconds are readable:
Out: h=9 m=20
